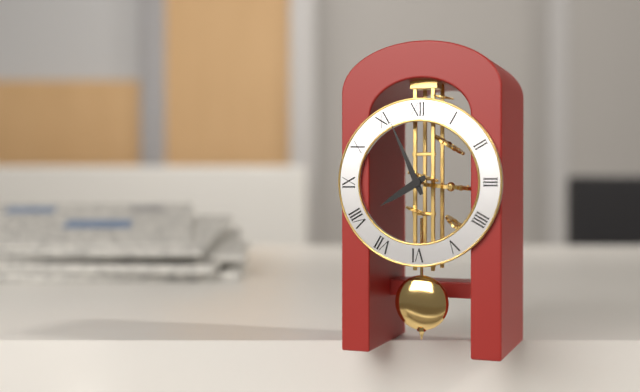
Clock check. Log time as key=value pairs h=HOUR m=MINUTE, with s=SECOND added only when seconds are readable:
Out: h=7 m=56
